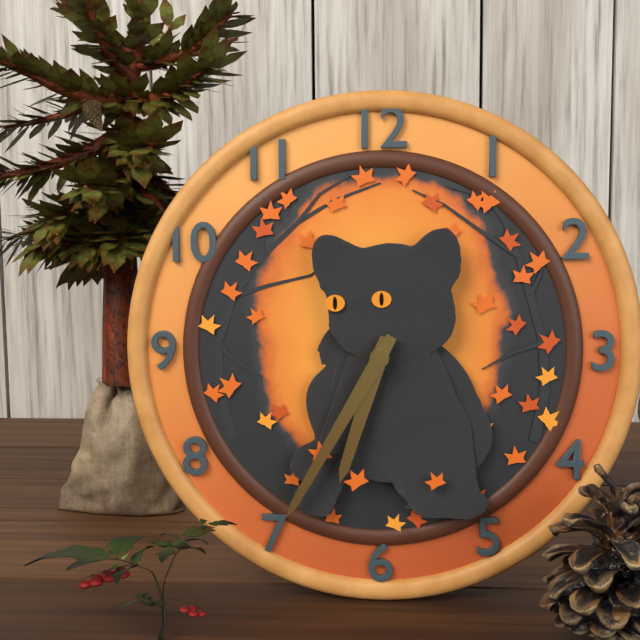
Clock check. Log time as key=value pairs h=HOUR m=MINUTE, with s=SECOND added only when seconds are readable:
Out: h=6 m=35
